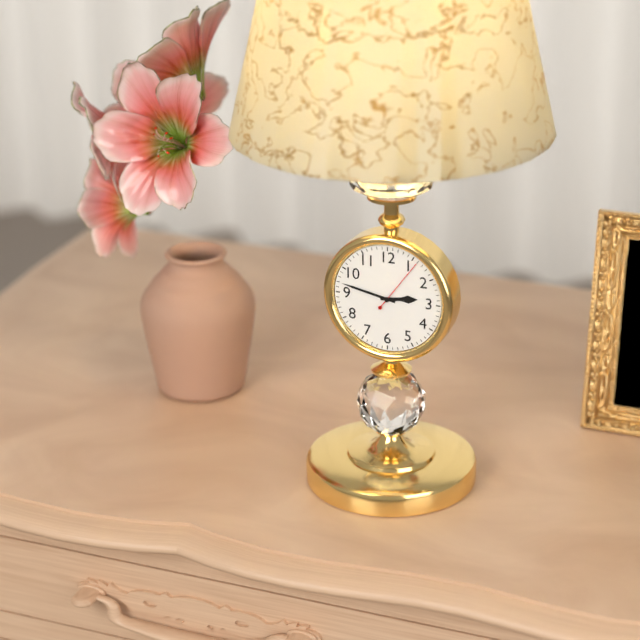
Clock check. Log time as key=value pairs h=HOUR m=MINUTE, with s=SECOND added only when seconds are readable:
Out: h=2 m=47 s=6
